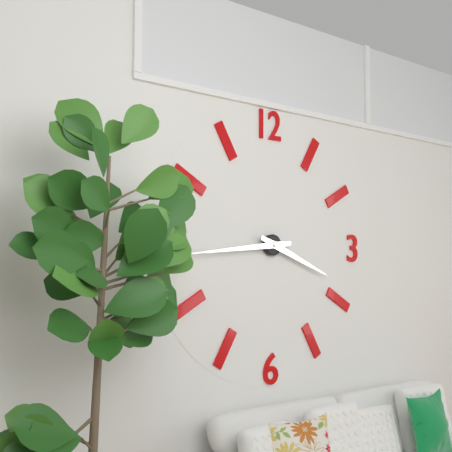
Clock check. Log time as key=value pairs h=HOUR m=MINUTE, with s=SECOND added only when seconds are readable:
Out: h=3 m=44
